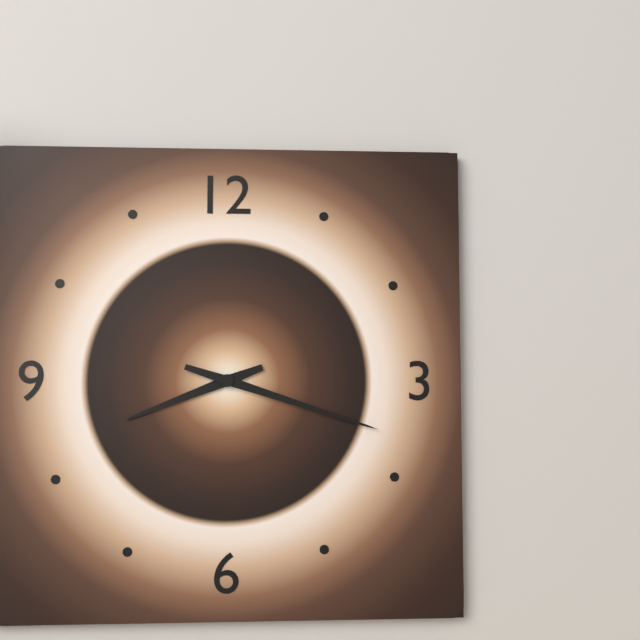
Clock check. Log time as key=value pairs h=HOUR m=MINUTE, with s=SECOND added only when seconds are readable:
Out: h=8 m=18
